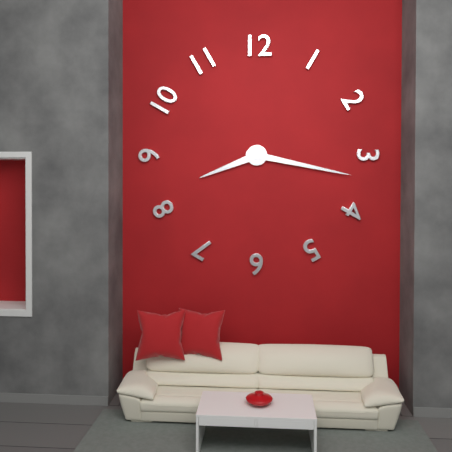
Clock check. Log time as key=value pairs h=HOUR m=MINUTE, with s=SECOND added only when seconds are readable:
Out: h=8 m=17
